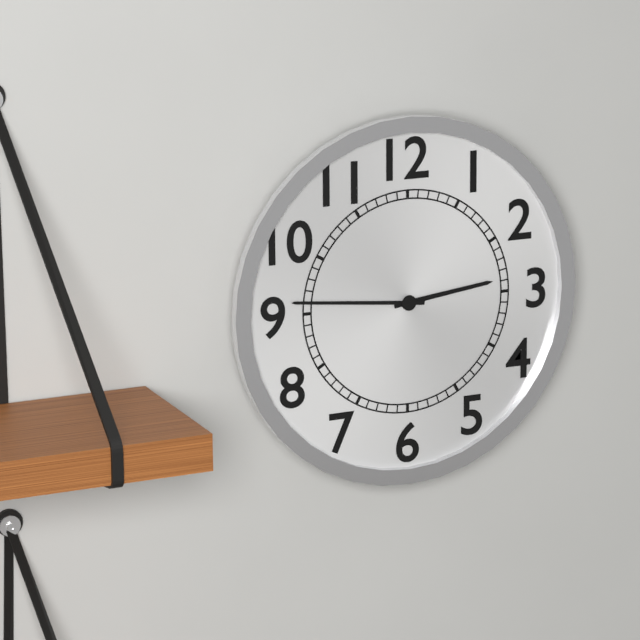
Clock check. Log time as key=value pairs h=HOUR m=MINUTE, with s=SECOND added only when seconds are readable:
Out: h=2 m=46
